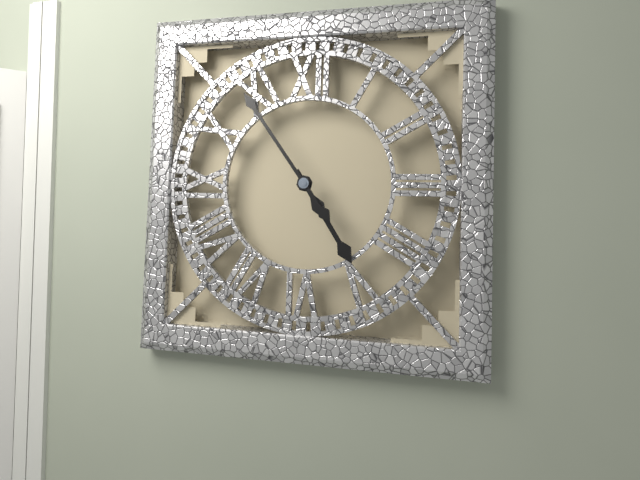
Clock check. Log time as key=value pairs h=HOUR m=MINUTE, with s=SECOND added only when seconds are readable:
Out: h=4 m=54
